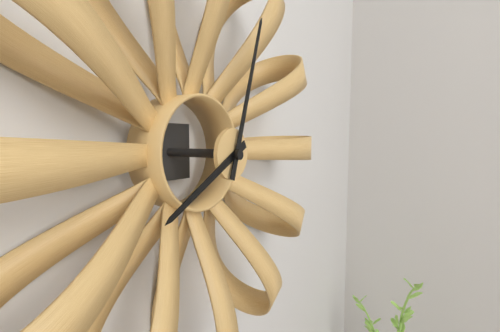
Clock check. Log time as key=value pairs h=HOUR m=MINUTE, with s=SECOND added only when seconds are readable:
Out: h=8 m=3
